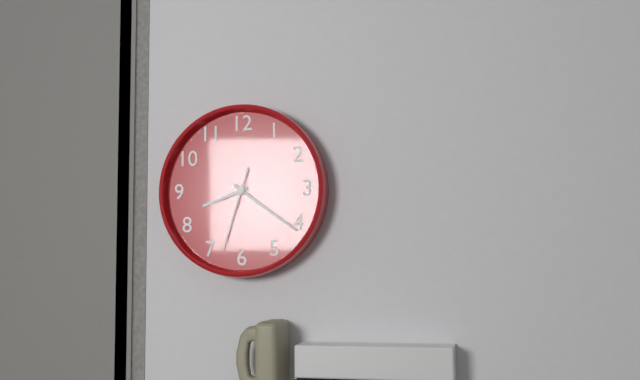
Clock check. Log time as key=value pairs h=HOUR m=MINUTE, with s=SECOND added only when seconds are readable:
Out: h=8 m=21 s=33
